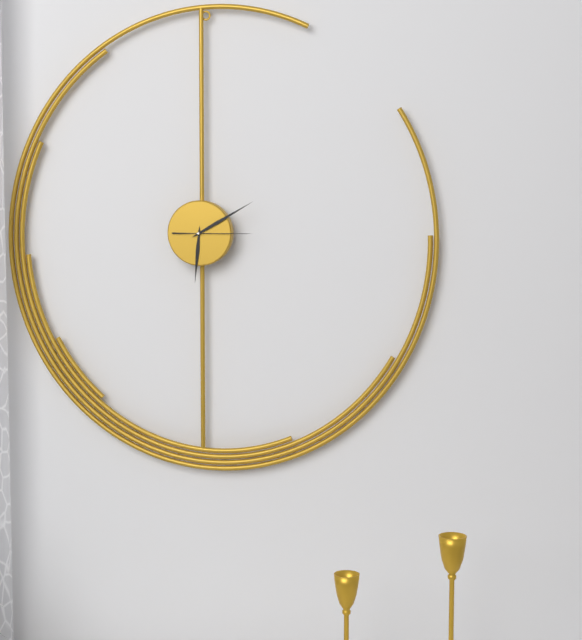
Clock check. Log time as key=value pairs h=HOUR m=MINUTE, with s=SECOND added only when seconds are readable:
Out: h=6 m=10 s=15
